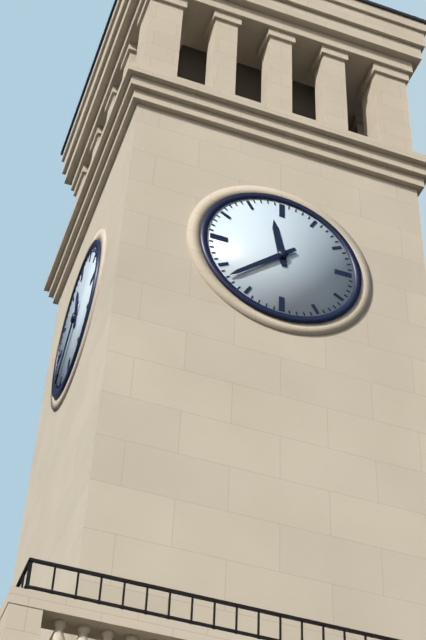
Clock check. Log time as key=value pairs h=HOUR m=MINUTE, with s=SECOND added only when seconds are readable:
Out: h=11 m=38
